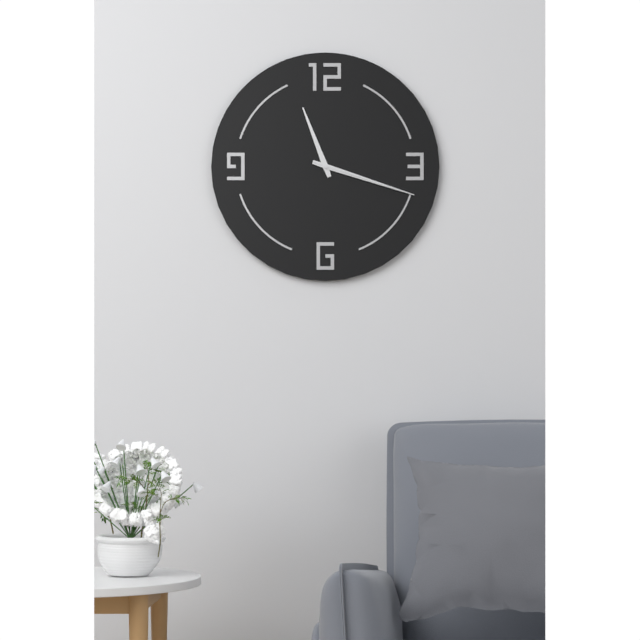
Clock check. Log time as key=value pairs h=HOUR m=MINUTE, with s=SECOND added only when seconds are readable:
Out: h=11 m=18 s=18
